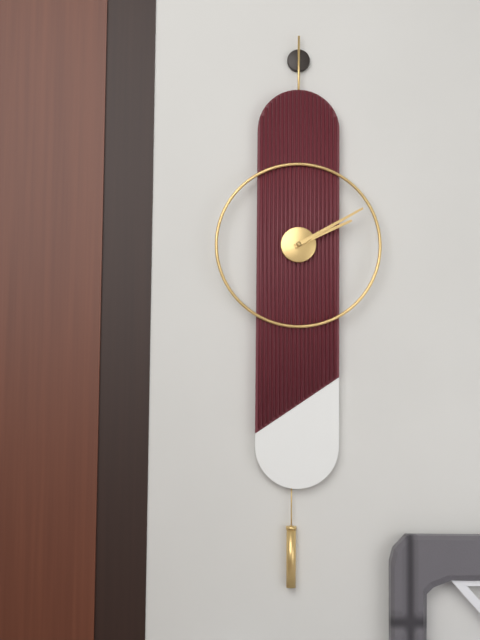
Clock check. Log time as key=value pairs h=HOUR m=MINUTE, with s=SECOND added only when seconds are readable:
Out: h=2 m=10
